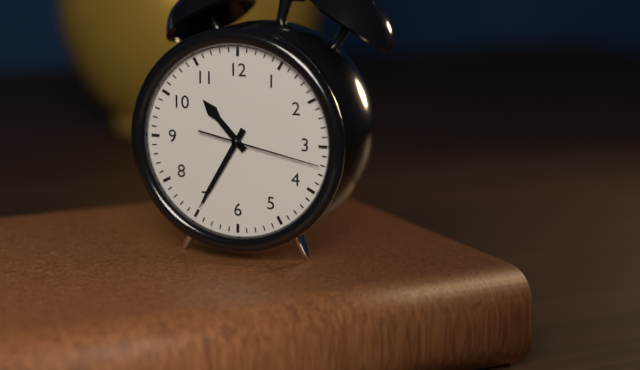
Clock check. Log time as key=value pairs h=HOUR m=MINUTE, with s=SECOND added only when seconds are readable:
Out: h=10 m=35 s=17
